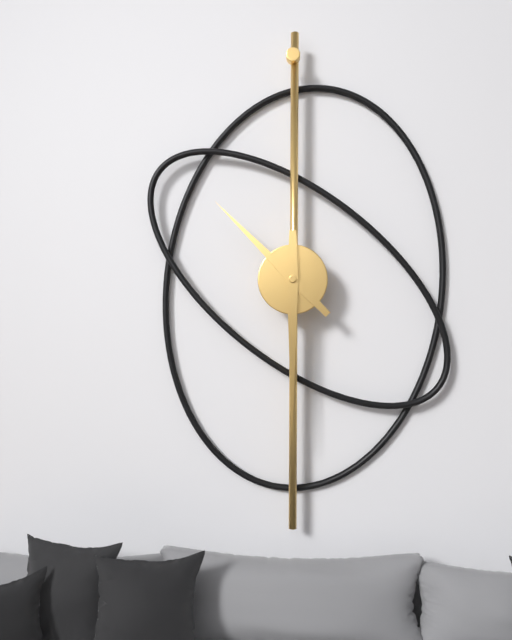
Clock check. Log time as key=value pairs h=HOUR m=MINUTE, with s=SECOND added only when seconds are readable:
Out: h=10 m=30
